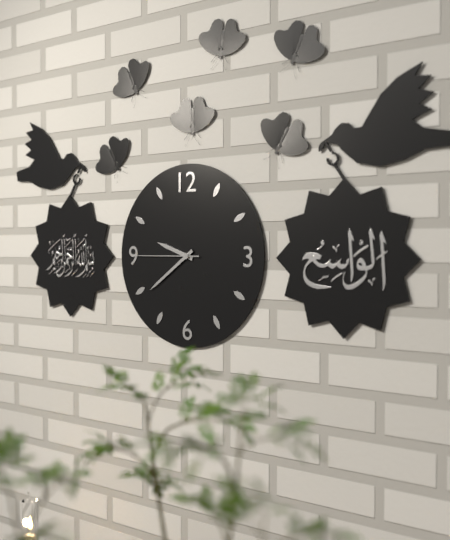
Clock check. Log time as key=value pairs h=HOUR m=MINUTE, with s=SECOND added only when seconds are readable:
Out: h=9 m=39 s=45
